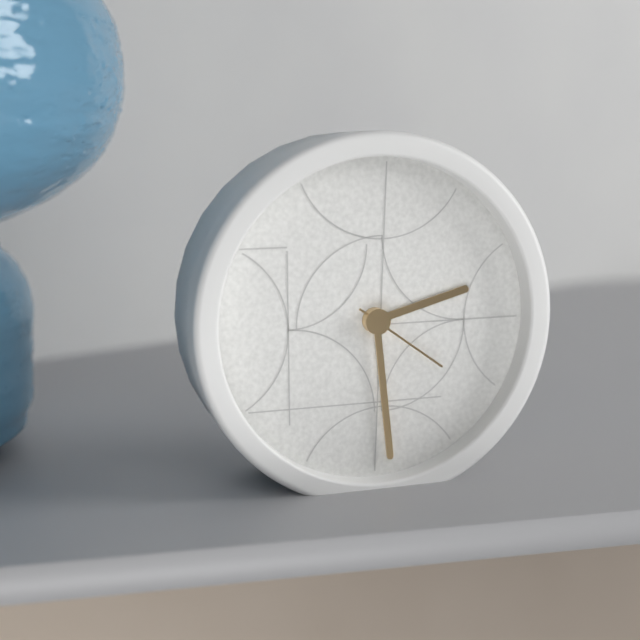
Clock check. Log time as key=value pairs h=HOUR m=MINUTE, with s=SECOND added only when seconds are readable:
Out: h=2 m=29 s=21
